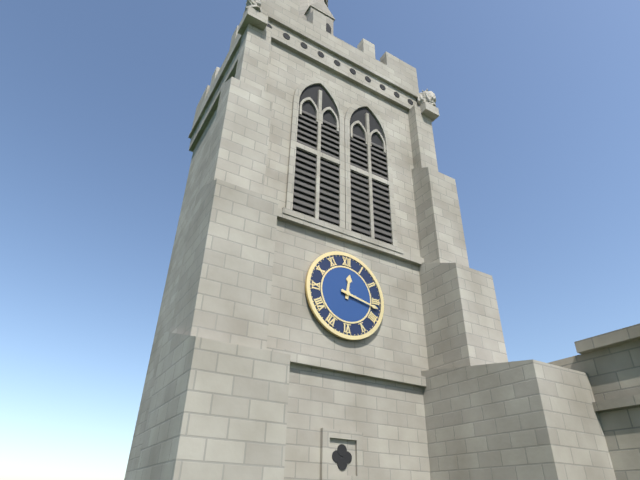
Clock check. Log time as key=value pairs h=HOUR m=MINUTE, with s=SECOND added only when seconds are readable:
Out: h=12 m=17
